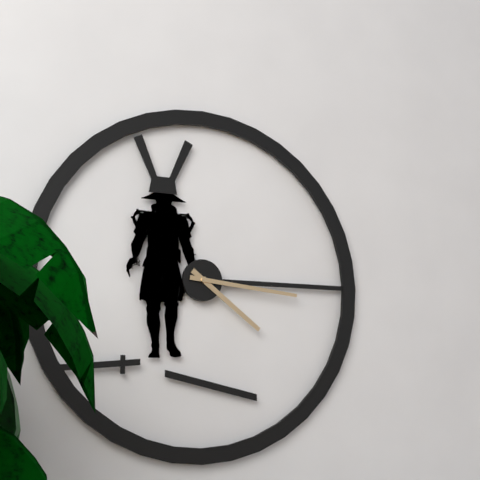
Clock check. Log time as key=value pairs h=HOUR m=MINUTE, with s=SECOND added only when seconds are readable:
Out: h=4 m=16
